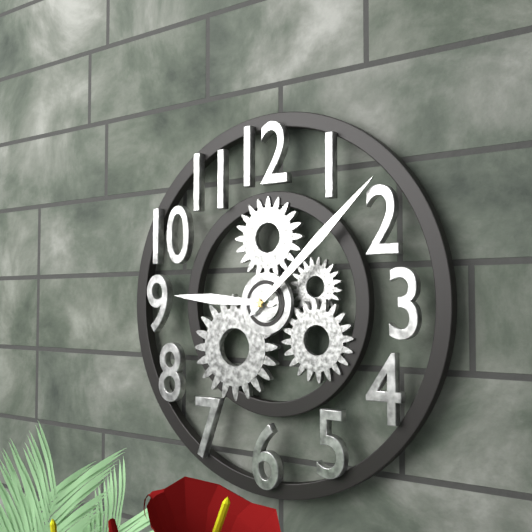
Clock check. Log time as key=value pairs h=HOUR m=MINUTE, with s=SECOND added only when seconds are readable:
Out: h=9 m=8
